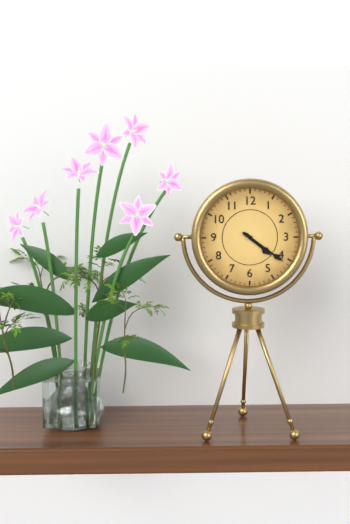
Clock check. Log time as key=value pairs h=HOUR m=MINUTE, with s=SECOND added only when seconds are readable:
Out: h=4 m=21
